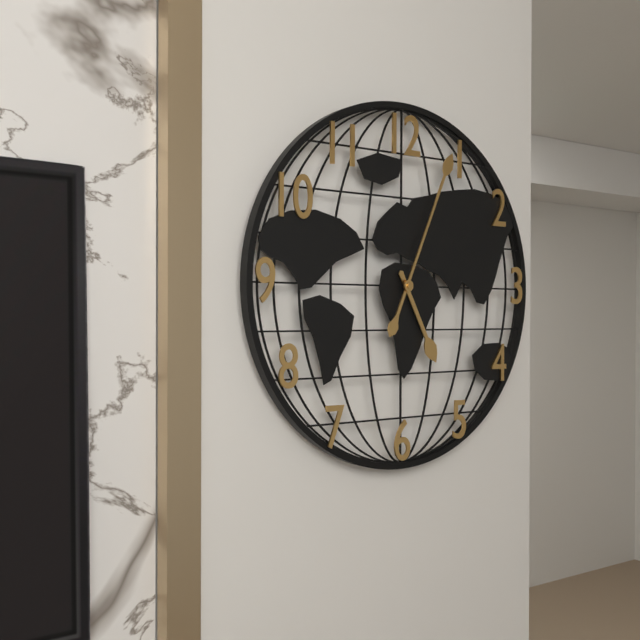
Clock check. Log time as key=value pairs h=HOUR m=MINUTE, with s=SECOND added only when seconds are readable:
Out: h=5 m=4
